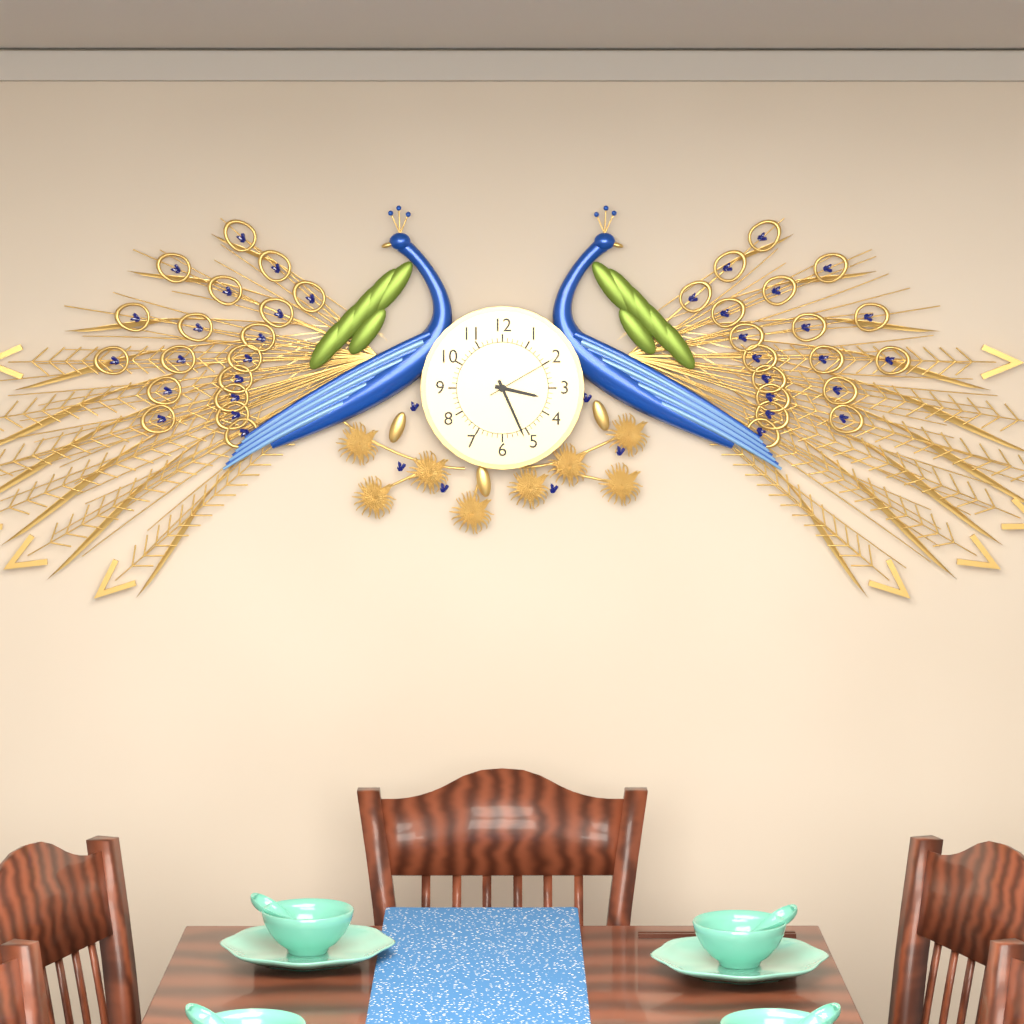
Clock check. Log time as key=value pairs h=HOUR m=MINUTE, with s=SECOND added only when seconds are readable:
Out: h=3 m=26 s=10
